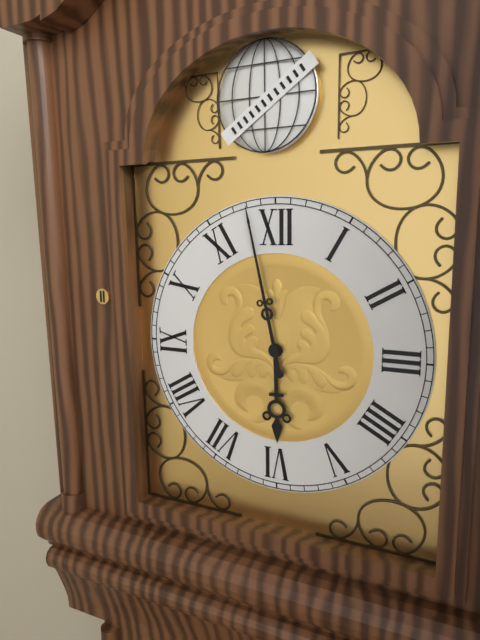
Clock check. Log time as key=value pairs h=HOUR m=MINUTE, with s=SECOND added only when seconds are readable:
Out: h=5 m=58
